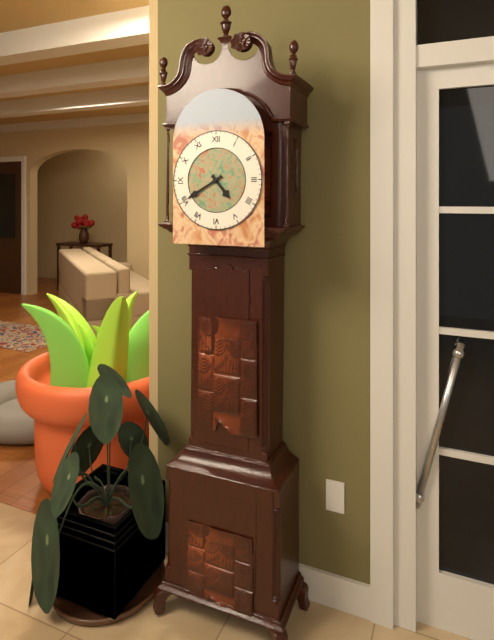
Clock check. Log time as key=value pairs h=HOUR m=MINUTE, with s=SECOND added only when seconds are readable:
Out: h=4 m=40
